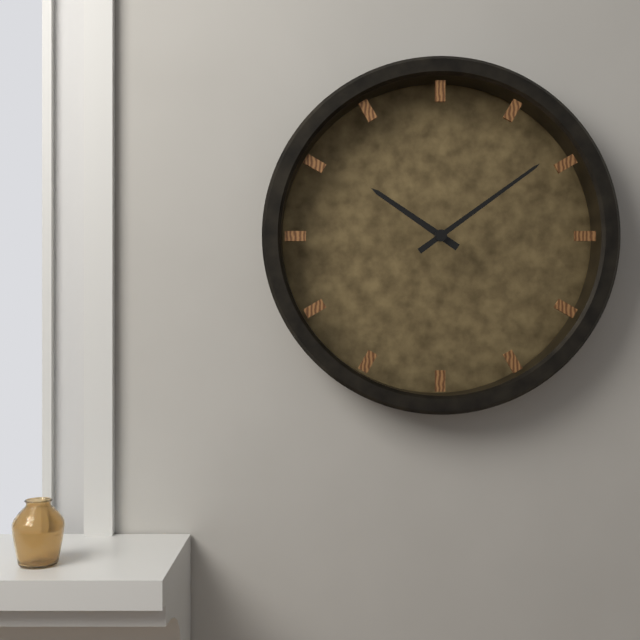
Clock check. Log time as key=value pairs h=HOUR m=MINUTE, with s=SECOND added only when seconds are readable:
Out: h=10 m=9
